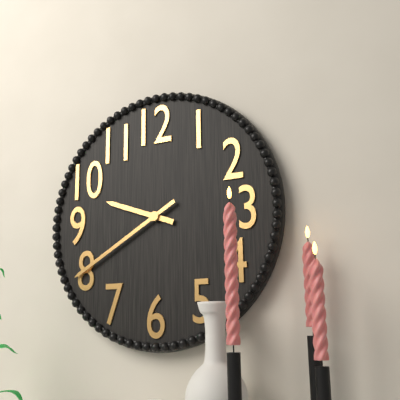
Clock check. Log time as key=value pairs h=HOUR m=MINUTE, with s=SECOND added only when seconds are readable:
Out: h=9 m=40
